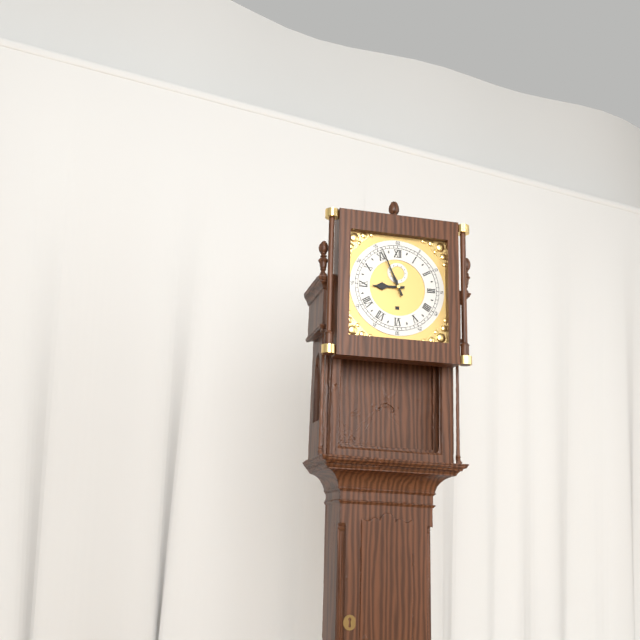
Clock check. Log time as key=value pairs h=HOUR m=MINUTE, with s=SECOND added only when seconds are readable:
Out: h=8 m=56
